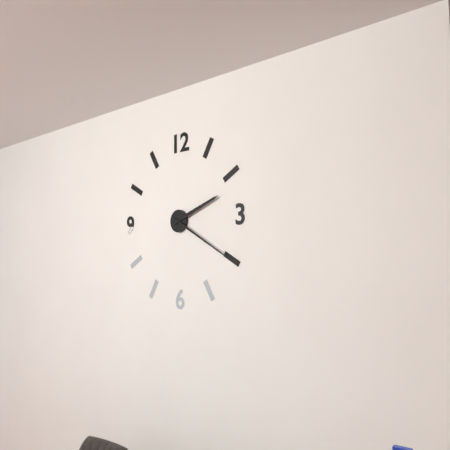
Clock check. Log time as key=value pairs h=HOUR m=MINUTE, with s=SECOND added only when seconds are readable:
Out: h=2 m=20
